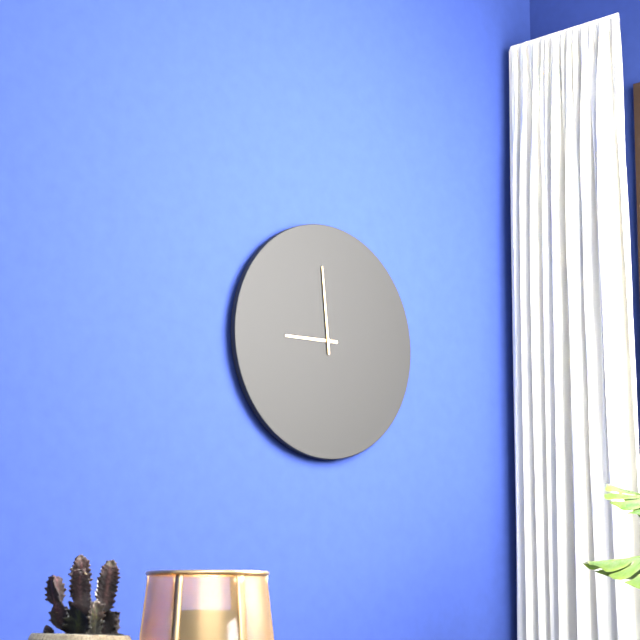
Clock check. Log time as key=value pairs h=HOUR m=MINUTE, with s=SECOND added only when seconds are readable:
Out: h=8 m=59
